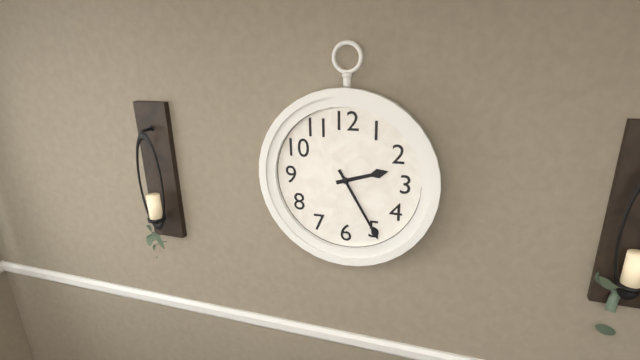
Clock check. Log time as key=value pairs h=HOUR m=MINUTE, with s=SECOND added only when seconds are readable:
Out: h=2 m=25
